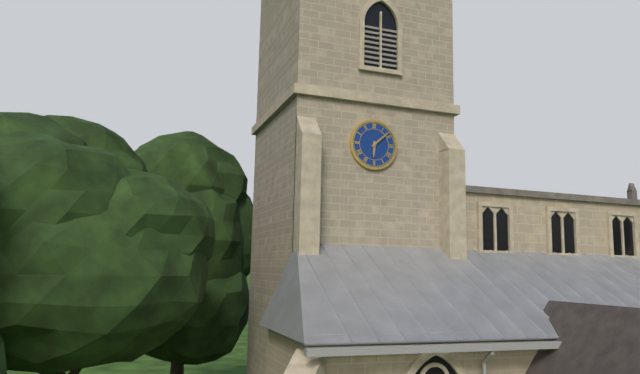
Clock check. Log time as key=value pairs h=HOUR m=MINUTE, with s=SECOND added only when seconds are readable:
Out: h=6 m=8
